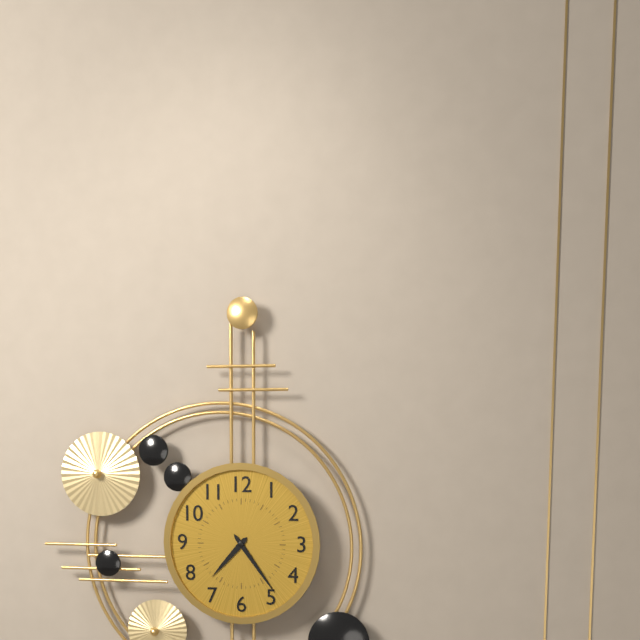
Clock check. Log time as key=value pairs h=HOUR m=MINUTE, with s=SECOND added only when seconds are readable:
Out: h=7 m=24
